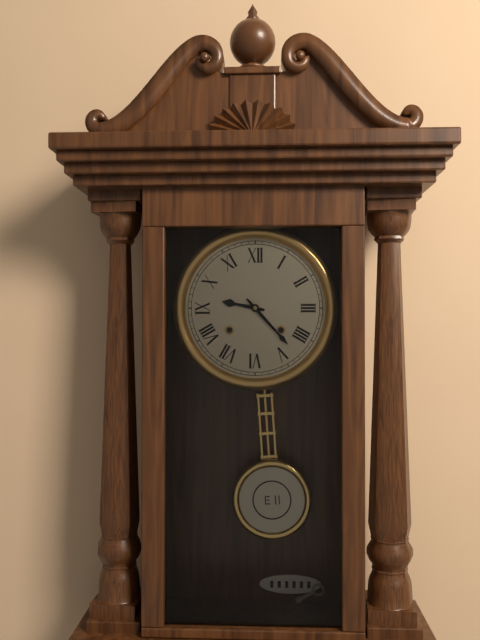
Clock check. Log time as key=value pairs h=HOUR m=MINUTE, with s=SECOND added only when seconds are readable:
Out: h=9 m=23
